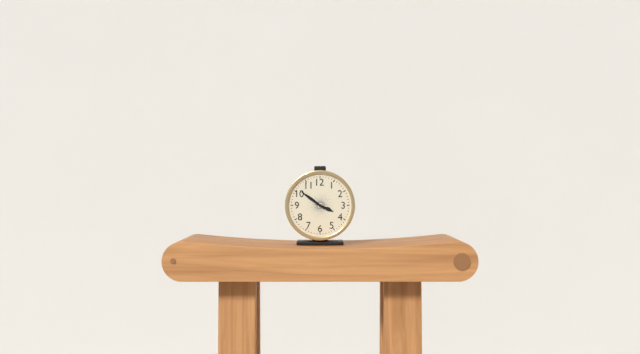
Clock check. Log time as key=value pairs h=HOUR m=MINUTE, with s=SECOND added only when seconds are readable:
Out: h=3 m=51
